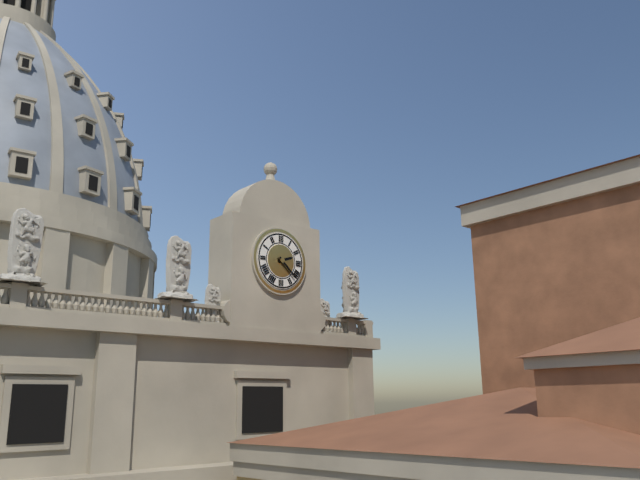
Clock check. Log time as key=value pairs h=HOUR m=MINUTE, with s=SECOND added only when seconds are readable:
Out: h=2 m=22
